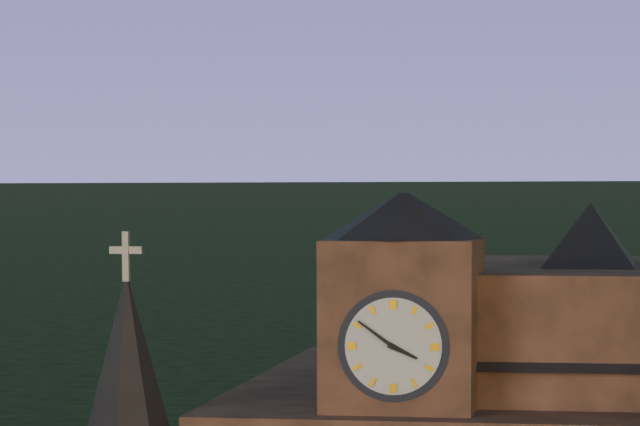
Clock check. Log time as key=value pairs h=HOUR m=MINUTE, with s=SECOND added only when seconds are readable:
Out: h=3 m=51
